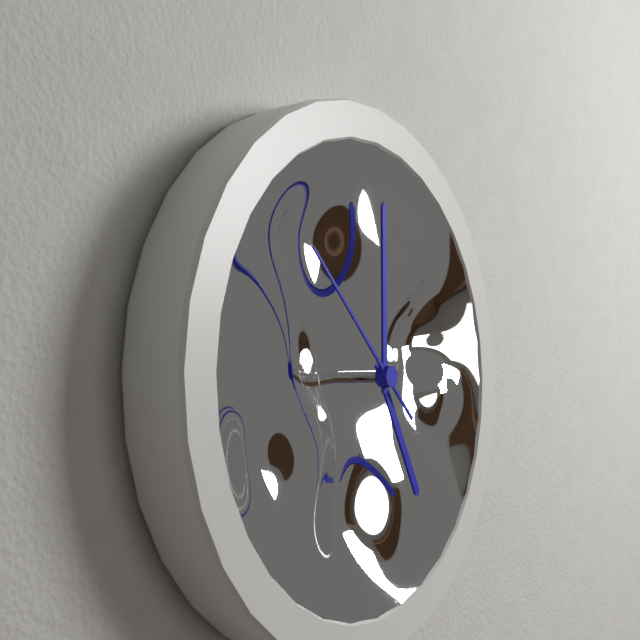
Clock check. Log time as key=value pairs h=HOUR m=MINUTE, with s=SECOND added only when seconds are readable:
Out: h=5 m=0 s=52
